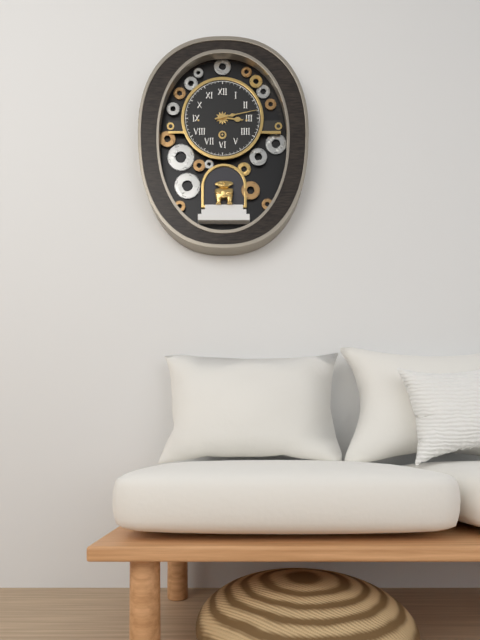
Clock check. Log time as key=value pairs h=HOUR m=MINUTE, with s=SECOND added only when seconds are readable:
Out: h=3 m=13
